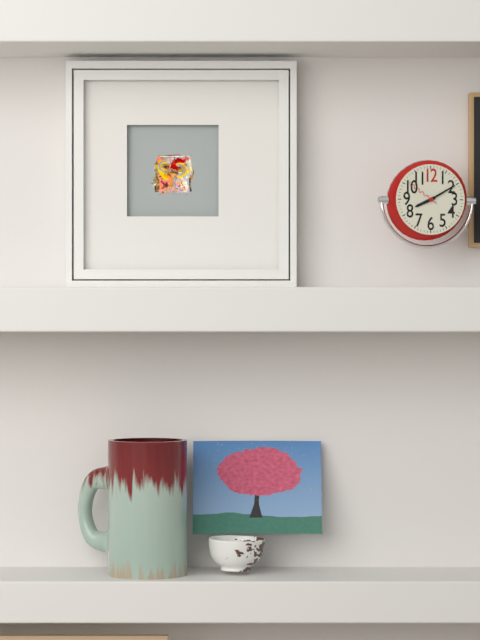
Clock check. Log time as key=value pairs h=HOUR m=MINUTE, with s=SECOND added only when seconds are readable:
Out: h=8 m=10
